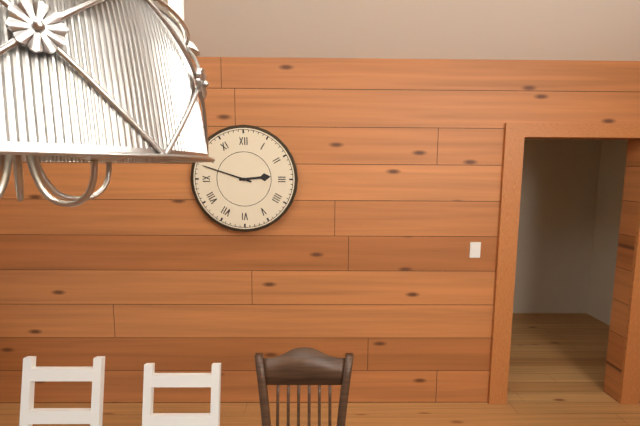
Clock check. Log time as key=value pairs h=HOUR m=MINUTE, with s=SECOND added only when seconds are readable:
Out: h=2 m=48
